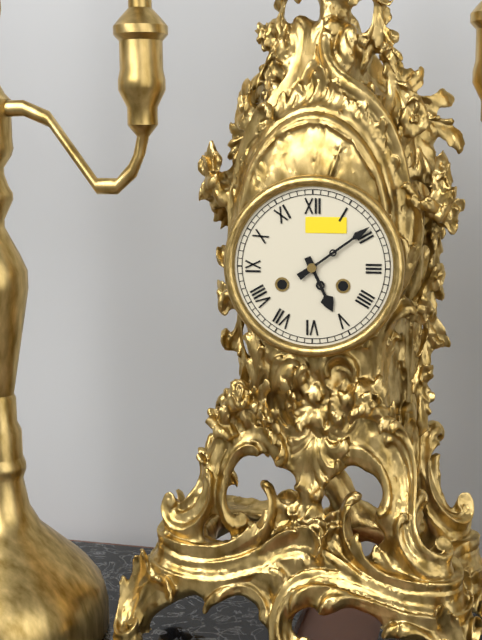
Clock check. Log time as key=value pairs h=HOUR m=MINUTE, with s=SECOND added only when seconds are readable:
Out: h=5 m=9
